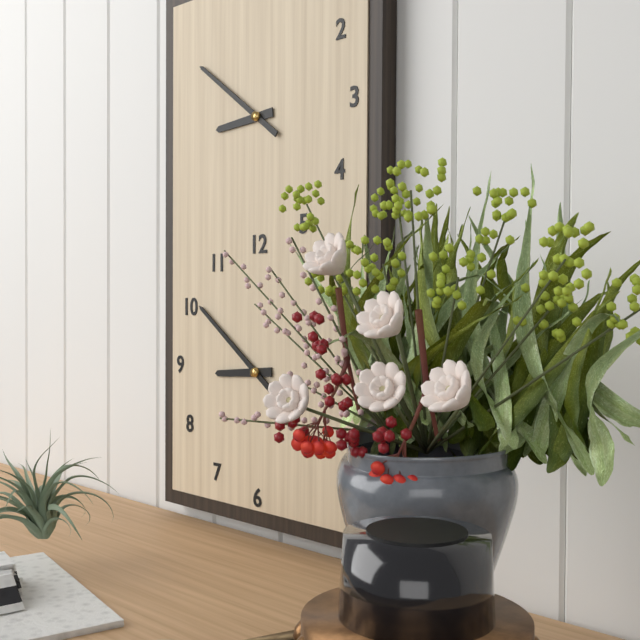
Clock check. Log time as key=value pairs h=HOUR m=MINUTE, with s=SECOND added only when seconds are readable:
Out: h=8 m=51
